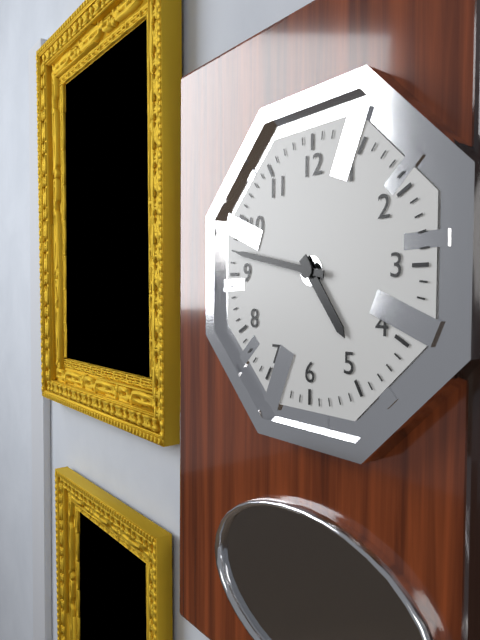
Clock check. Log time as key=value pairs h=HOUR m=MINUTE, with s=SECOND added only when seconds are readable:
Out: h=4 m=47
